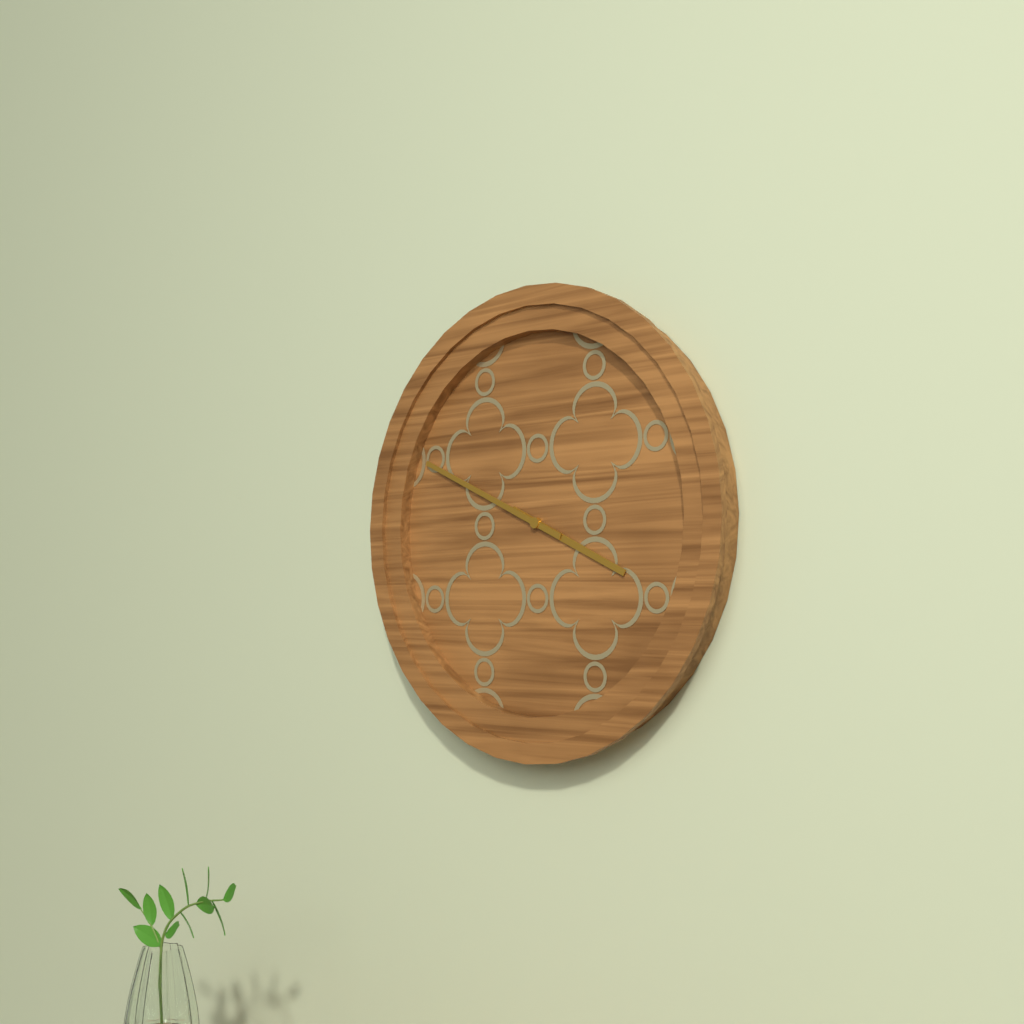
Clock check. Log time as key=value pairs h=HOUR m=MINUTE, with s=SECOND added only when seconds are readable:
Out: h=3 m=49
